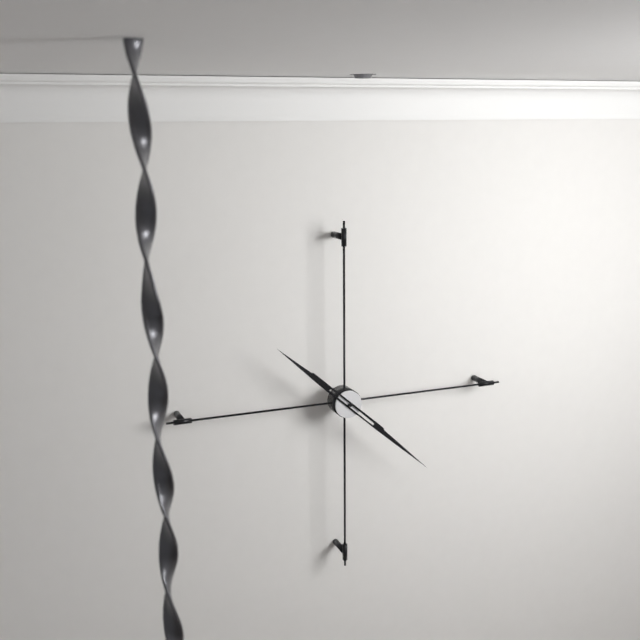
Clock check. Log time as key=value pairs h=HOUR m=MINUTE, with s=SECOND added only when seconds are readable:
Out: h=10 m=22
